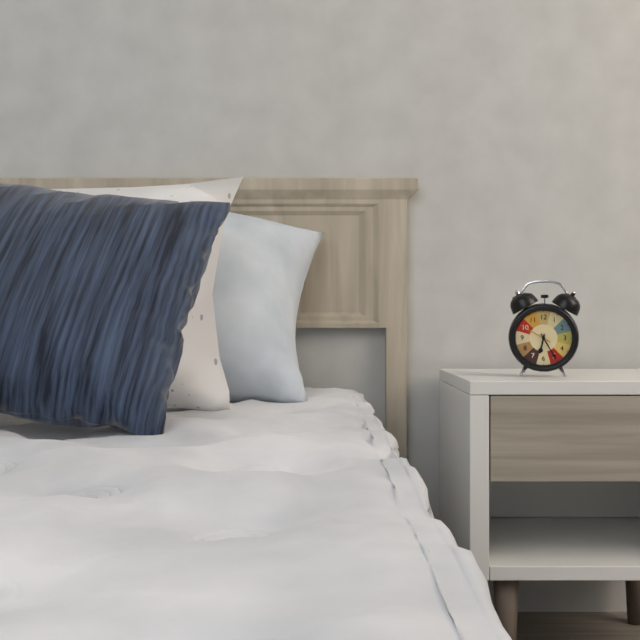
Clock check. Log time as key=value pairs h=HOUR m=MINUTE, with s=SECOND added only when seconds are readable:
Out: h=6 m=25
